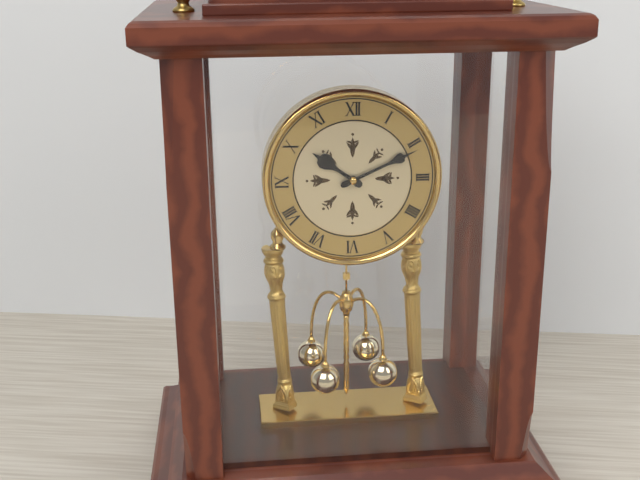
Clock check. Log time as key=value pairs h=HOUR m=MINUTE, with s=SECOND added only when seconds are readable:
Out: h=10 m=11
